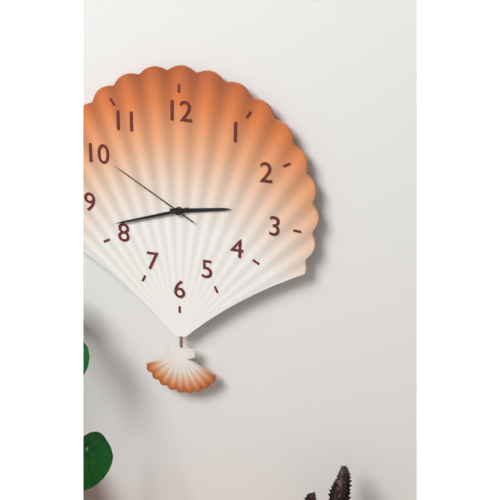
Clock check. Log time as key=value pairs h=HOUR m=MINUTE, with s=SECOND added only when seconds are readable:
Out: h=2 m=42 s=50
